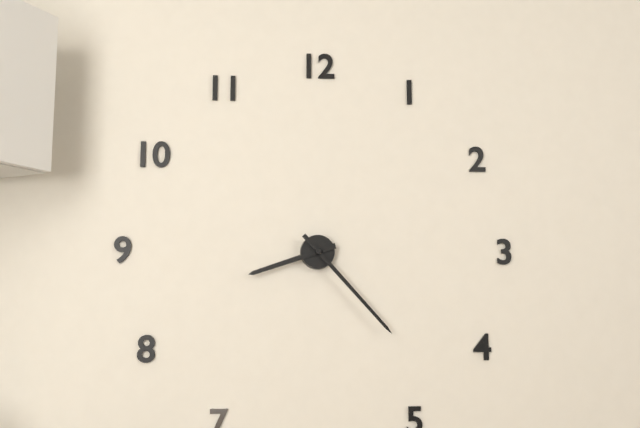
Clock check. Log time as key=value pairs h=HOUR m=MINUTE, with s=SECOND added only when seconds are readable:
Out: h=8 m=23
